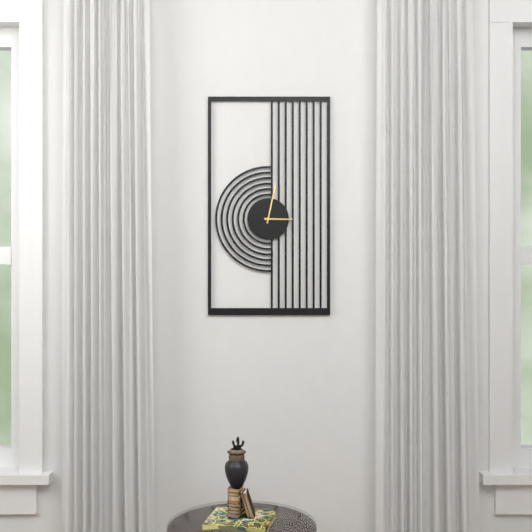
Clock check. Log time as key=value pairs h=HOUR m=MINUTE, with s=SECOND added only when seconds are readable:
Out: h=3 m=2
